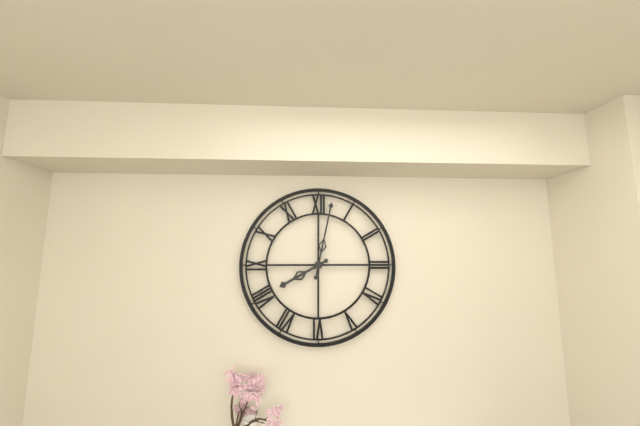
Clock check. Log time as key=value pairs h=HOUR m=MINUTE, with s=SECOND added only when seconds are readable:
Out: h=8 m=2
